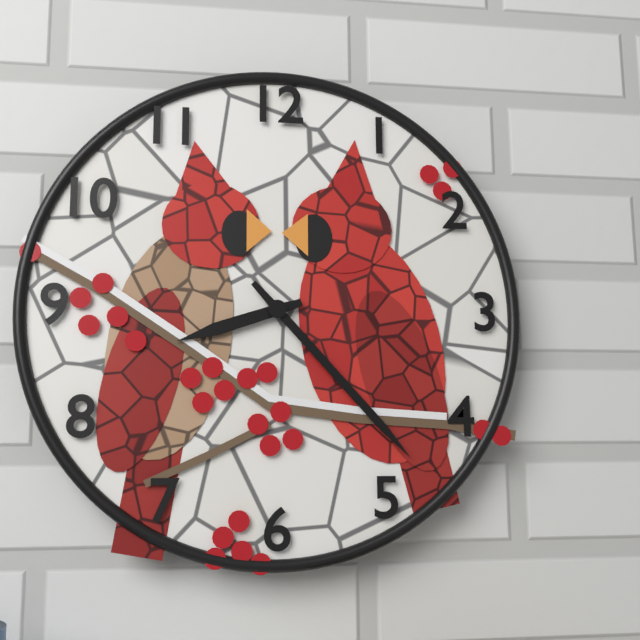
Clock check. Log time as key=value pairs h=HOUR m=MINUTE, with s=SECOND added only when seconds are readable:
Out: h=8 m=23
